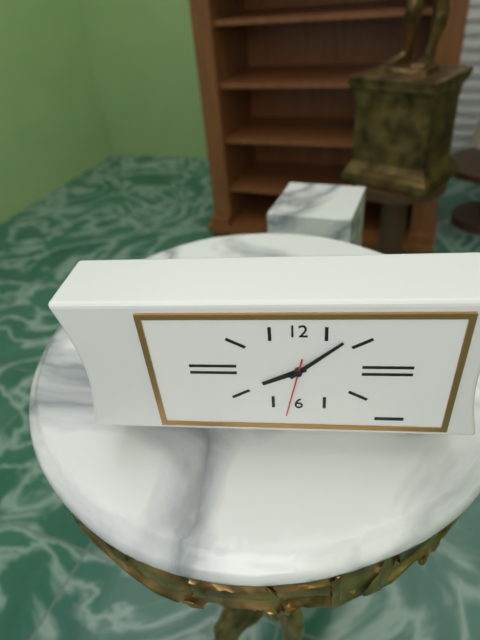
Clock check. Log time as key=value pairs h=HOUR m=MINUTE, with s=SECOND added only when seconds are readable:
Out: h=8 m=8 s=32
